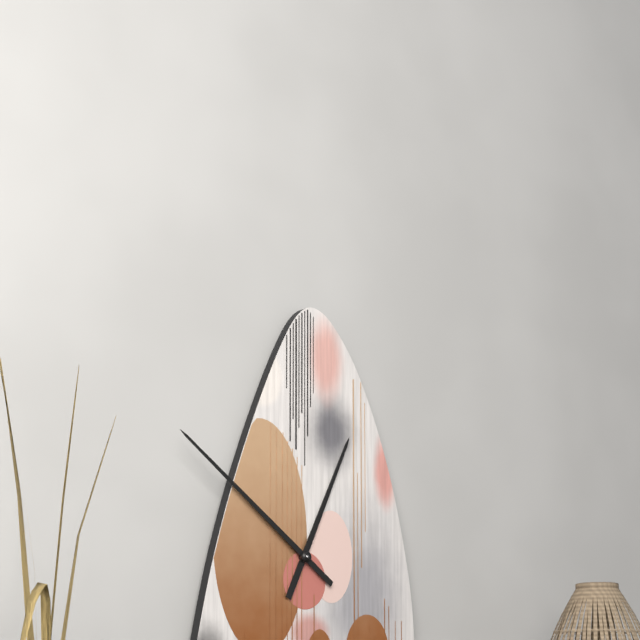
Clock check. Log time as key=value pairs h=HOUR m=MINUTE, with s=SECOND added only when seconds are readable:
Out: h=12 m=51
